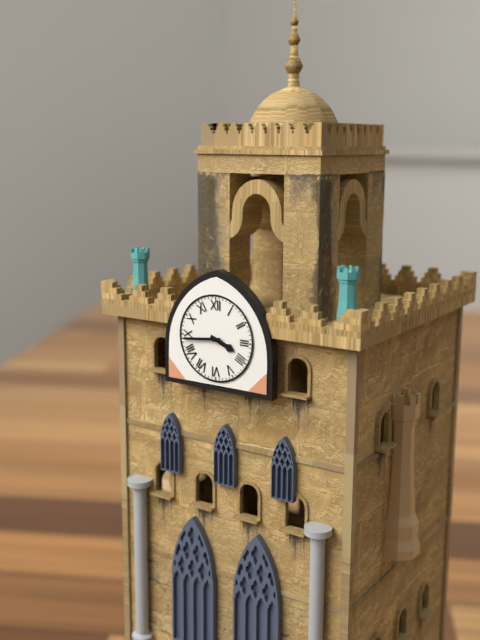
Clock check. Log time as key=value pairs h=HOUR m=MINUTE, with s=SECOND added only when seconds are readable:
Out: h=3 m=44
